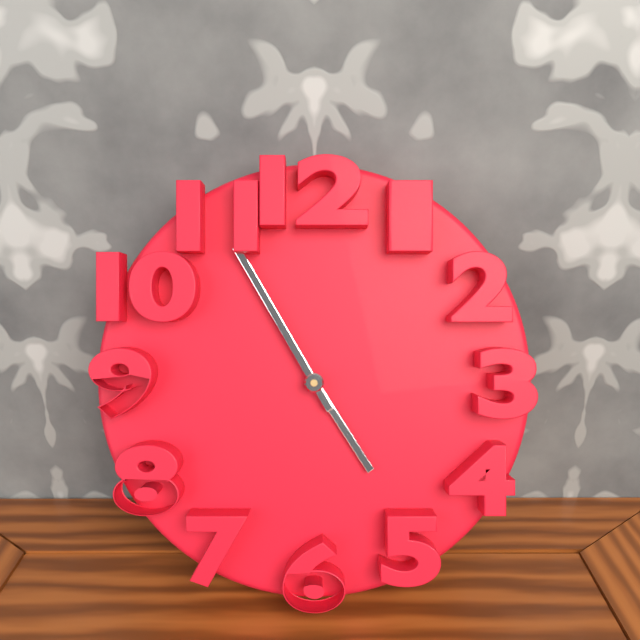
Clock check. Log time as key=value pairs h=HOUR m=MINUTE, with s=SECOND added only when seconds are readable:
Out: h=4 m=55
